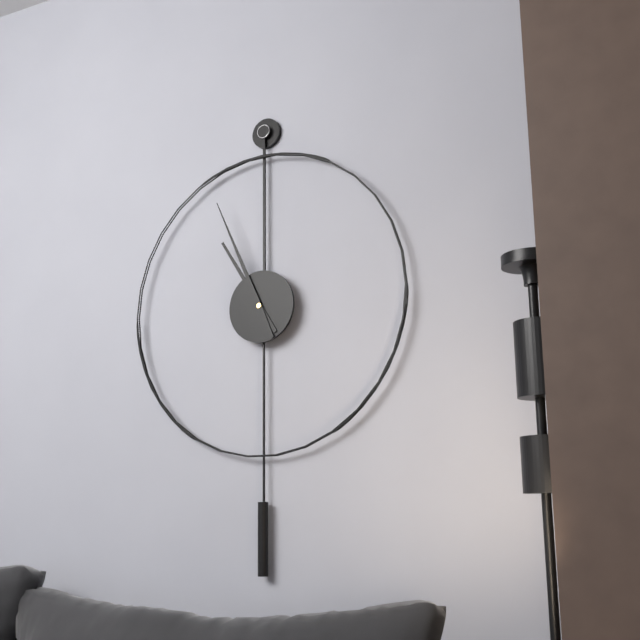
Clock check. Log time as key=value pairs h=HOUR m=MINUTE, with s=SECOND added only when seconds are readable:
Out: h=10 m=56
